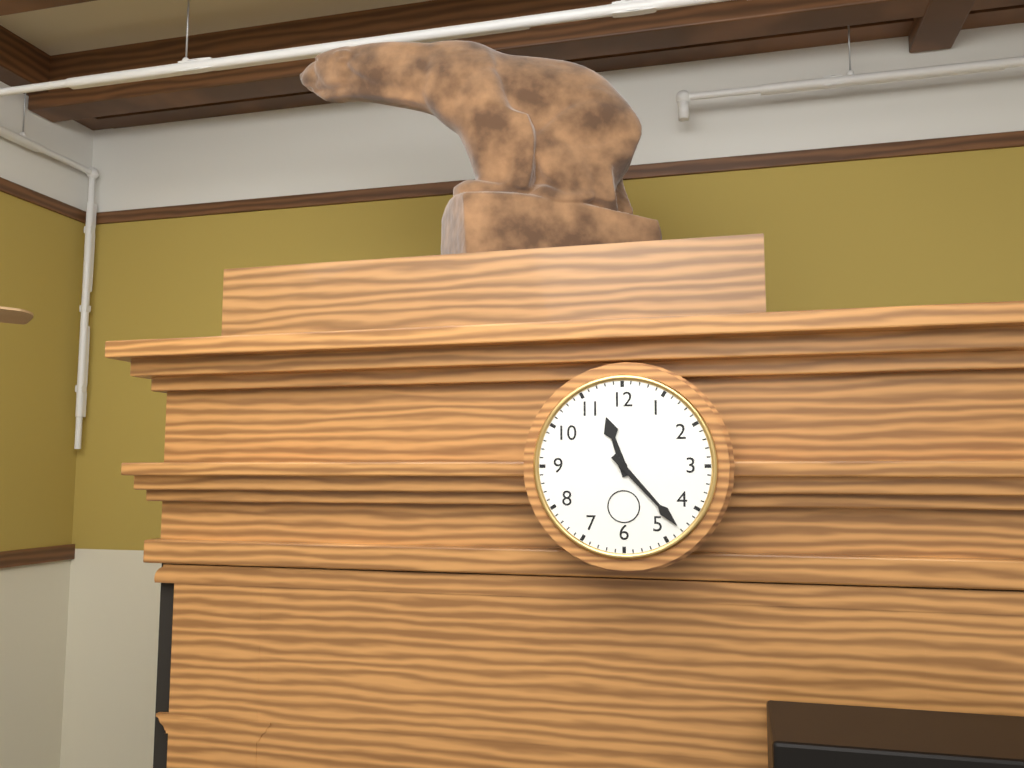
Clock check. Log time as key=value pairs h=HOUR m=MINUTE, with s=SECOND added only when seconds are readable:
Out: h=11 m=23
